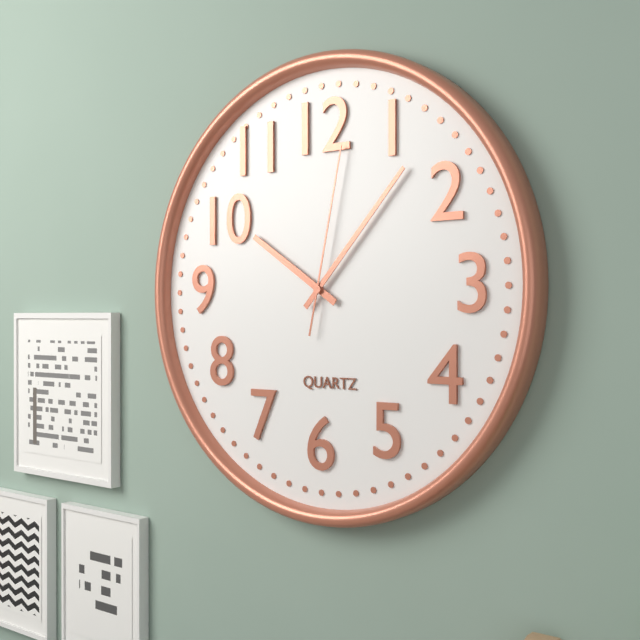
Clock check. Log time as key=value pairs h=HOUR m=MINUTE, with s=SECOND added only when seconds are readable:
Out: h=10 m=7 s=2
